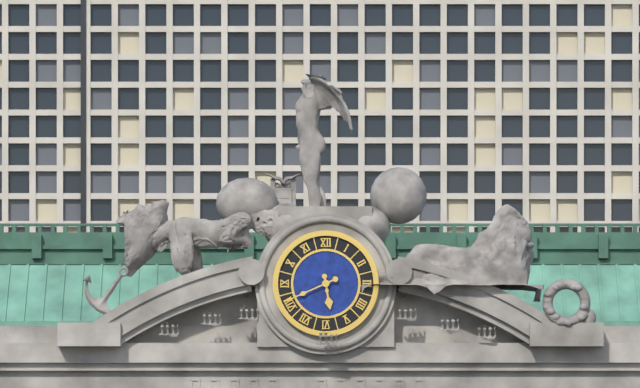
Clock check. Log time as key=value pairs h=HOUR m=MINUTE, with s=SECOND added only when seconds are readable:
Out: h=5 m=41
